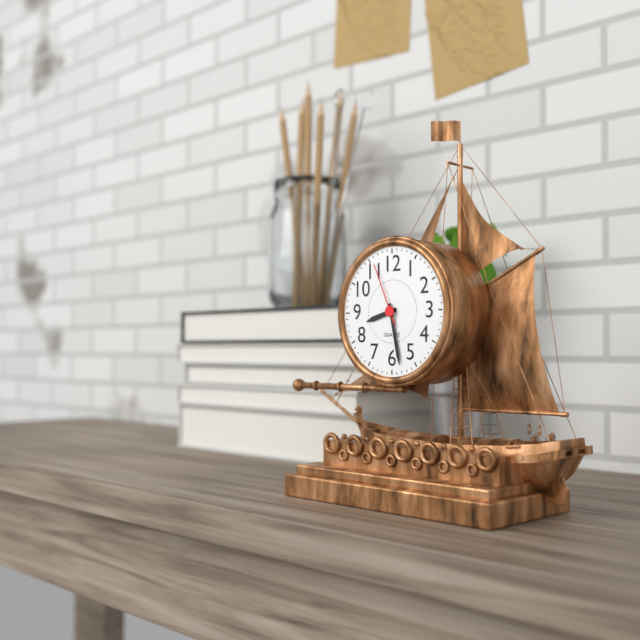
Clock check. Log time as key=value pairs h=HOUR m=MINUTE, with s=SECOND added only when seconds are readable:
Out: h=8 m=28 s=56
